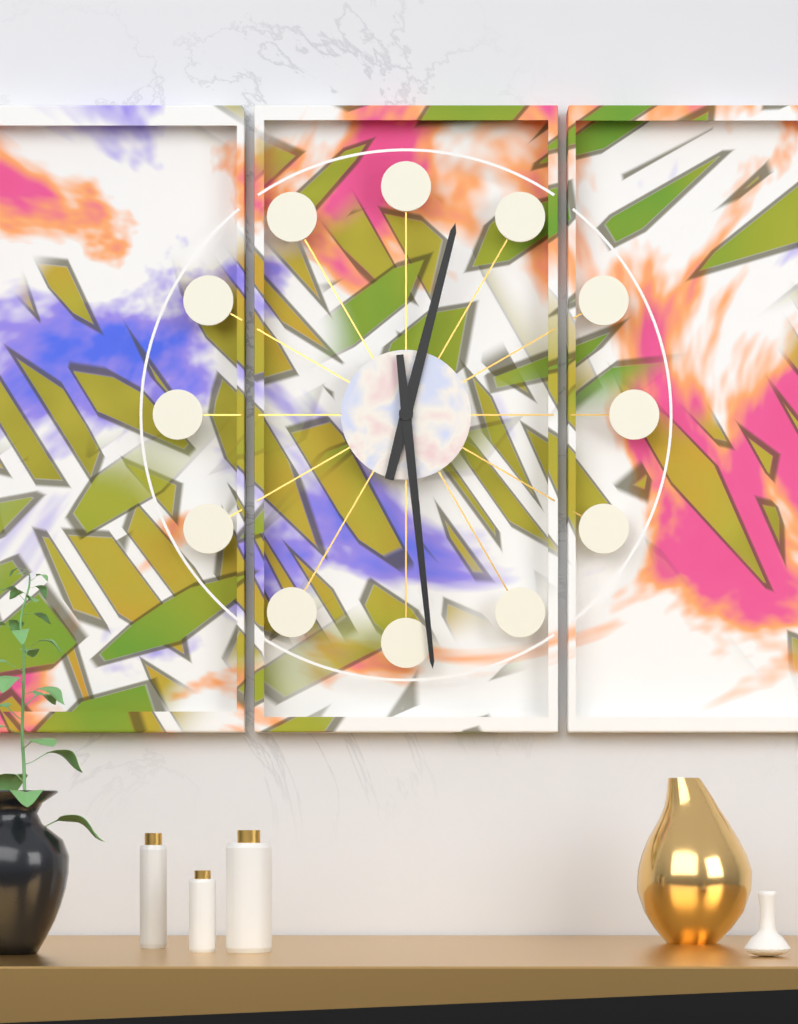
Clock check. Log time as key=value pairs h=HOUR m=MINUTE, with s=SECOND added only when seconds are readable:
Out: h=12 m=29
